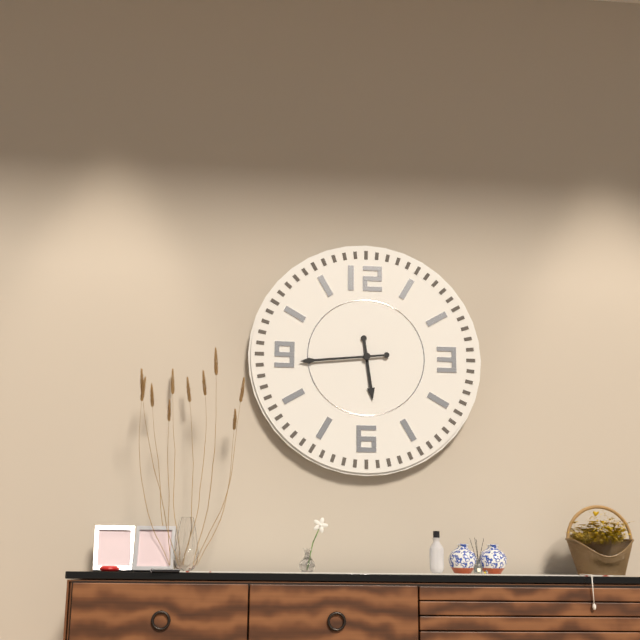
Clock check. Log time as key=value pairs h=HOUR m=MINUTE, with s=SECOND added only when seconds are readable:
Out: h=5 m=44
